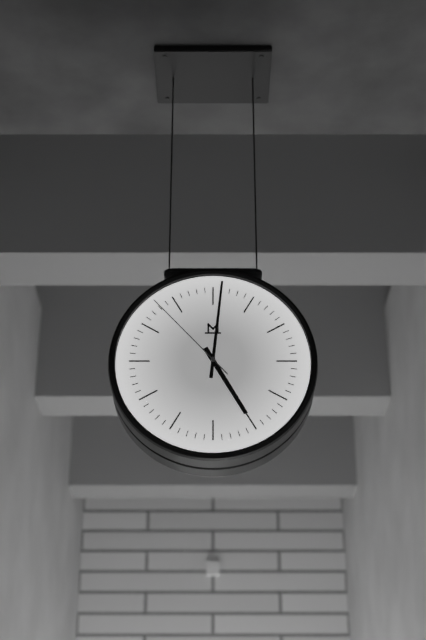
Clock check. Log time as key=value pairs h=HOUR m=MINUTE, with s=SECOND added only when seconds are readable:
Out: h=5 m=1 s=53
